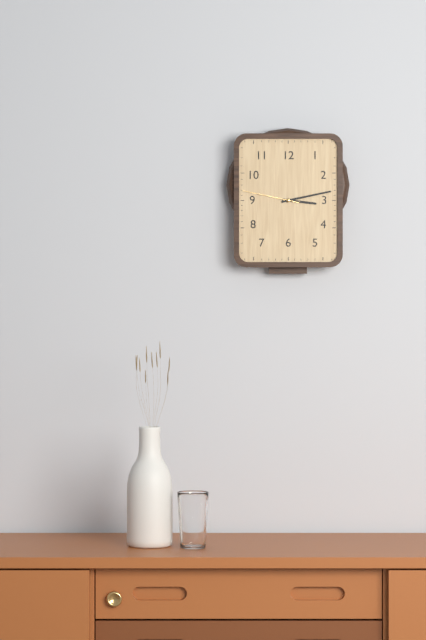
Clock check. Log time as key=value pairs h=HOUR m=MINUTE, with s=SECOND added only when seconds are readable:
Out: h=3 m=13 s=47
